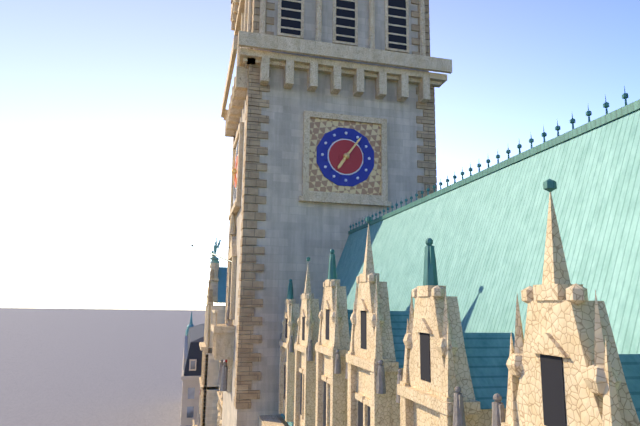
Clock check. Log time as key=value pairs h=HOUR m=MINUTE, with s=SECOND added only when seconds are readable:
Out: h=7 m=6
